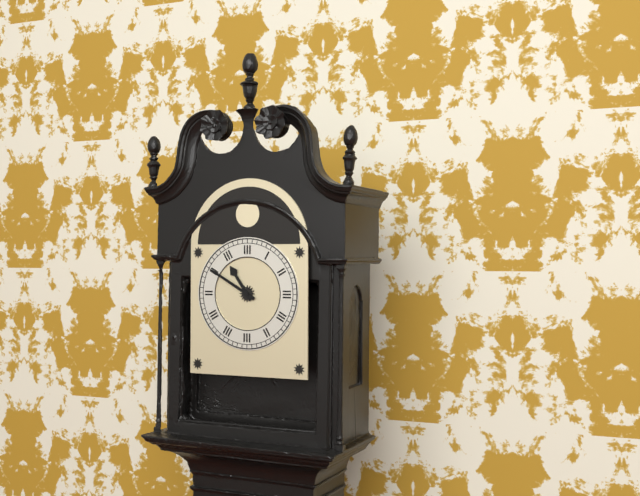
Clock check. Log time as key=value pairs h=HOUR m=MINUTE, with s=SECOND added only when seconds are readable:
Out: h=10 m=50
